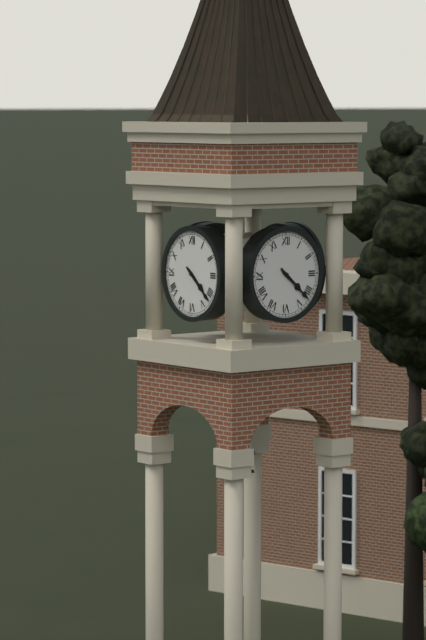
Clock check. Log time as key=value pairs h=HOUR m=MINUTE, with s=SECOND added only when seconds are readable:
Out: h=4 m=22
